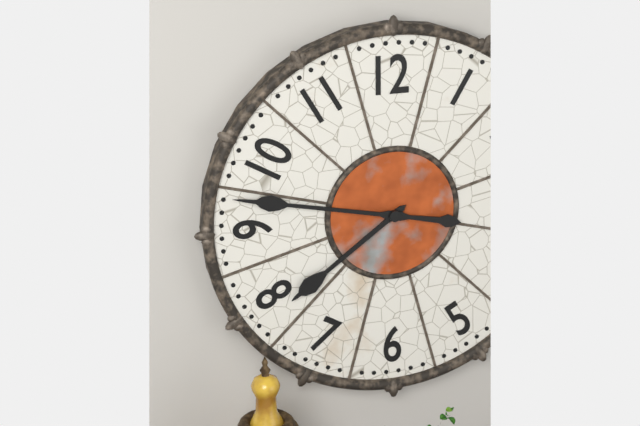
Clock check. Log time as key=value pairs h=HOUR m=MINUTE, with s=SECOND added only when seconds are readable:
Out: h=7 m=47
